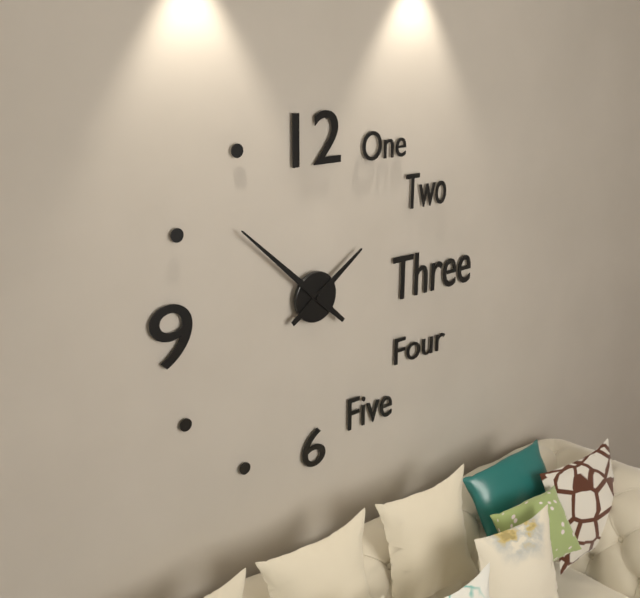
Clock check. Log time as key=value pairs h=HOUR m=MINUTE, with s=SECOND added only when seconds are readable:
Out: h=1 m=52
